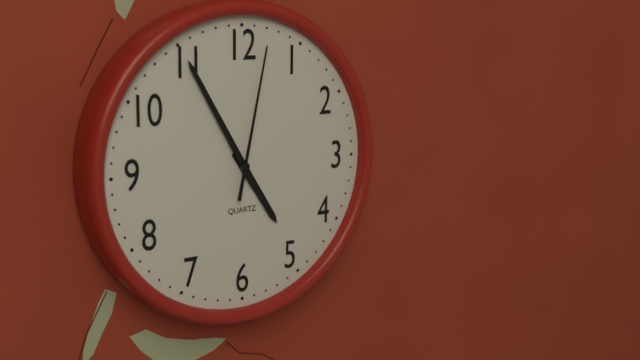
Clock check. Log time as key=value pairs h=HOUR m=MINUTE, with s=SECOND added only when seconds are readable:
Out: h=4 m=55 s=2
